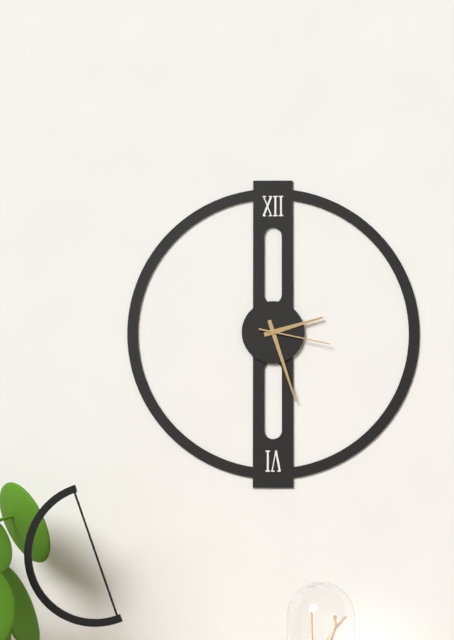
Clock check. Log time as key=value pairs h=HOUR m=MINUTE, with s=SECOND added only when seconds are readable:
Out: h=2 m=27 s=17
